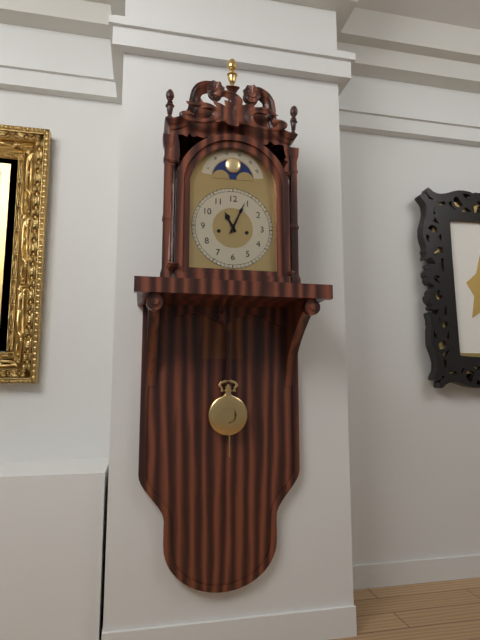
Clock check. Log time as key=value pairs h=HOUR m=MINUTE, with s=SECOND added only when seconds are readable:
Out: h=11 m=4
